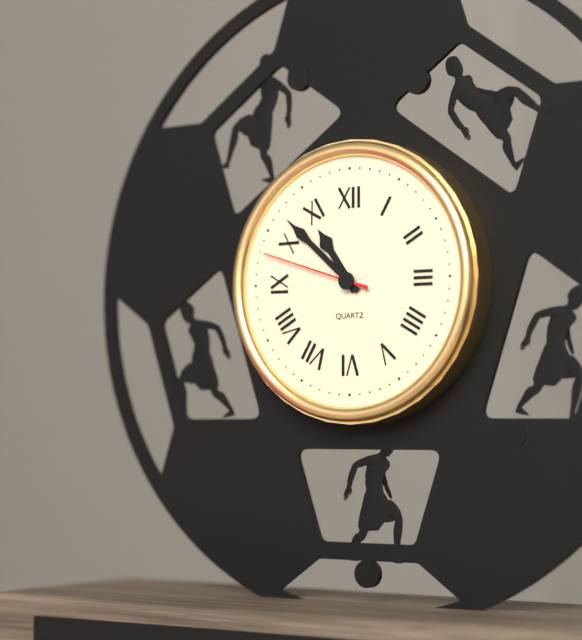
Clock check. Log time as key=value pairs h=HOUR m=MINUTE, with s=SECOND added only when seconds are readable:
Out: h=10 m=52 s=48
